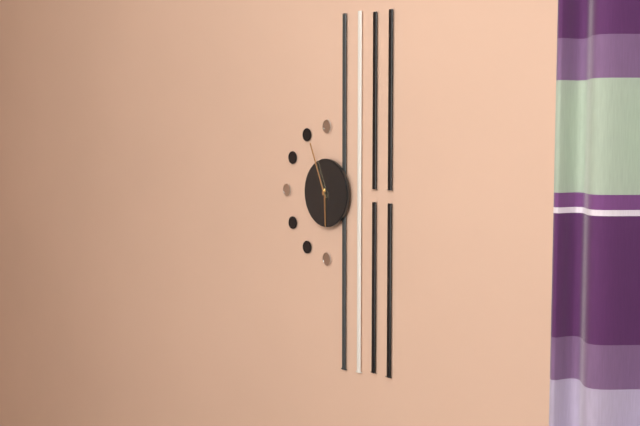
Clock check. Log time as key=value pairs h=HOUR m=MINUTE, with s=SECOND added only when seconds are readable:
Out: h=5 m=56
